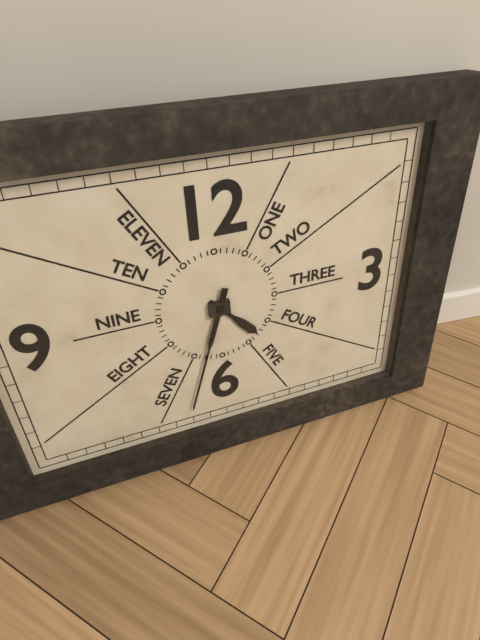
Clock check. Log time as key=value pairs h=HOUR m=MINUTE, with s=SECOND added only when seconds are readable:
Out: h=4 m=33
